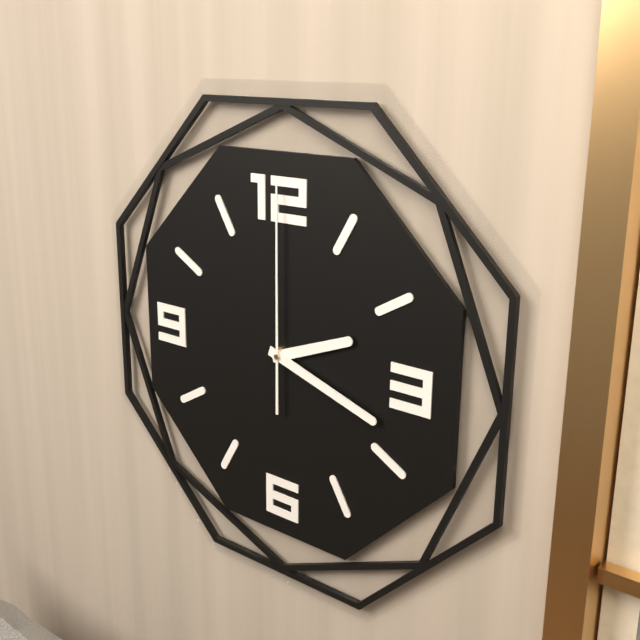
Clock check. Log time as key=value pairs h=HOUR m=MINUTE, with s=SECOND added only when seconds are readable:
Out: h=2 m=18 s=0
